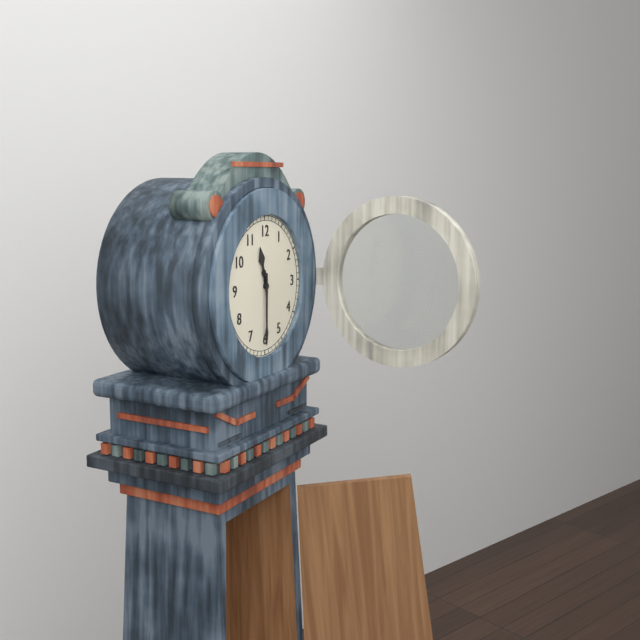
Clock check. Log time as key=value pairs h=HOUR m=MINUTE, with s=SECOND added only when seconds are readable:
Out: h=11 m=30
